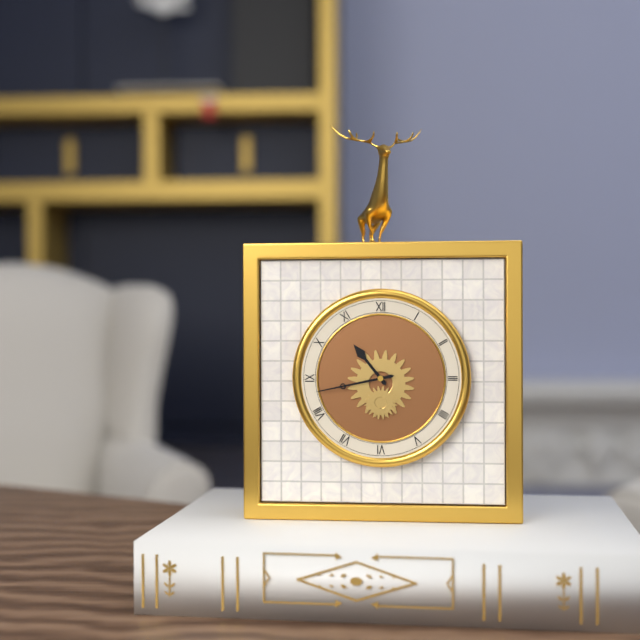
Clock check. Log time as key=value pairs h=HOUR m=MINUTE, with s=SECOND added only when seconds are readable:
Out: h=10 m=43
